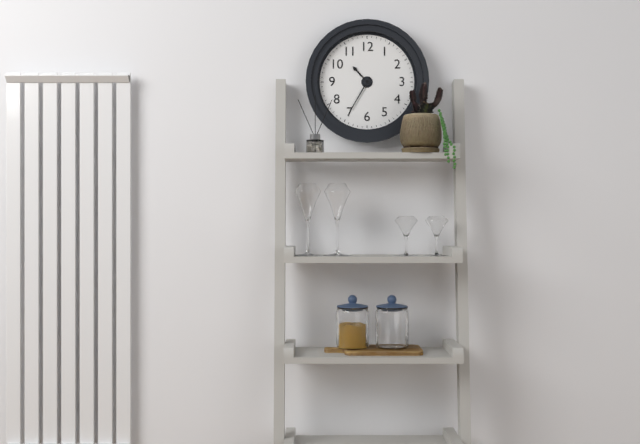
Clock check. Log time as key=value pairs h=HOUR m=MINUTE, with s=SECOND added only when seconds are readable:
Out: h=10 m=35
